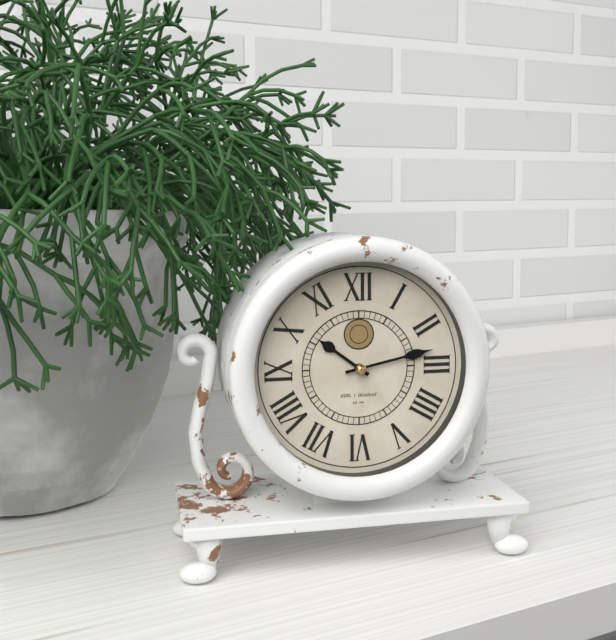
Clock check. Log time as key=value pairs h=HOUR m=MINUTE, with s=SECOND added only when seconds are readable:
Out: h=10 m=13
